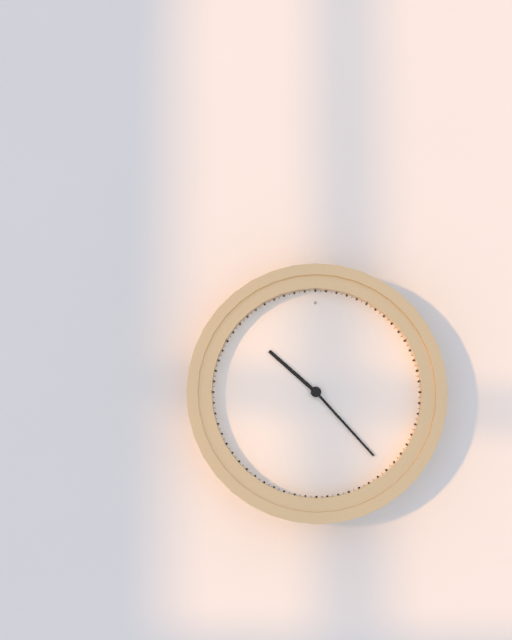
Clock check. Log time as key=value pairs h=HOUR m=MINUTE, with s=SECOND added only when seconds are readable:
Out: h=10 m=23
